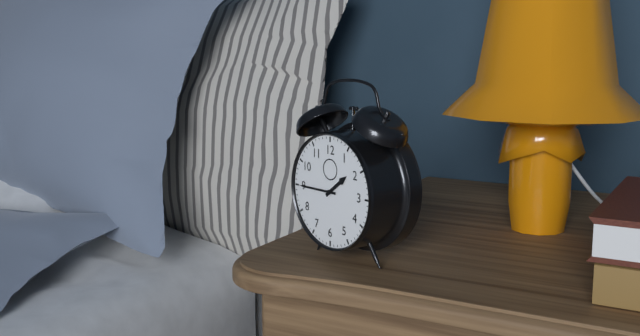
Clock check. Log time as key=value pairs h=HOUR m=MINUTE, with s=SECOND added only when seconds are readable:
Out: h=1 m=45
